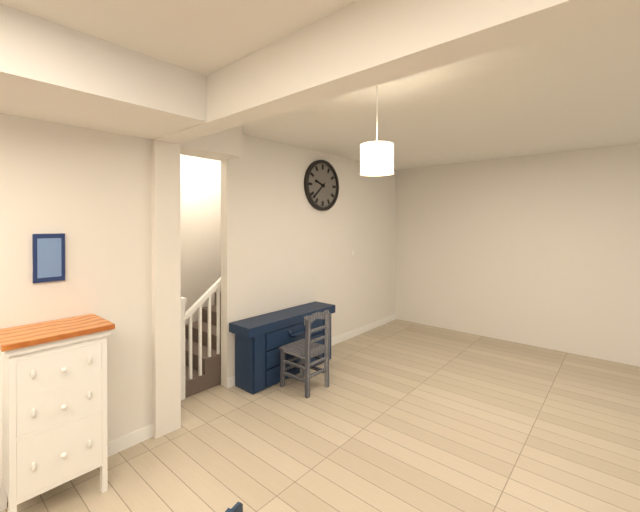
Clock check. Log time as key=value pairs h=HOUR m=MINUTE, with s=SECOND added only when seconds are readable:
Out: h=9 m=38
